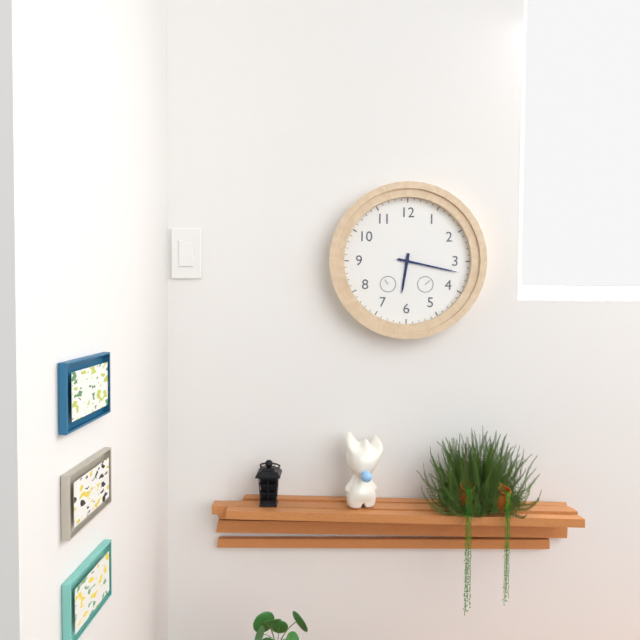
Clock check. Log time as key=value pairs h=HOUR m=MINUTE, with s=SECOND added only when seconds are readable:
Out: h=6 m=17
